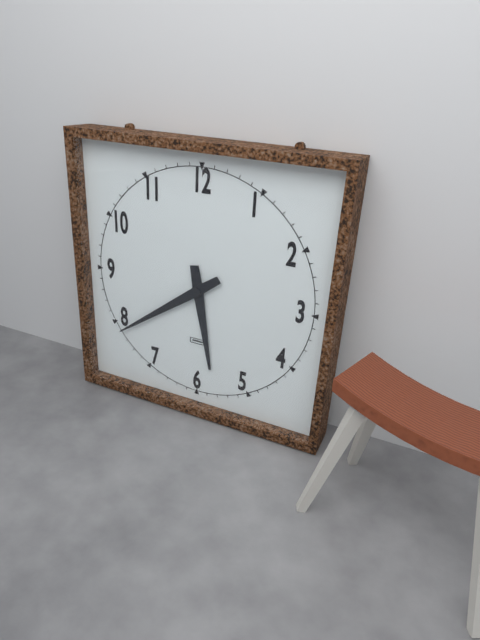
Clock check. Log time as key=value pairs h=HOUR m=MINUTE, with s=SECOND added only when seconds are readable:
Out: h=5 m=39
